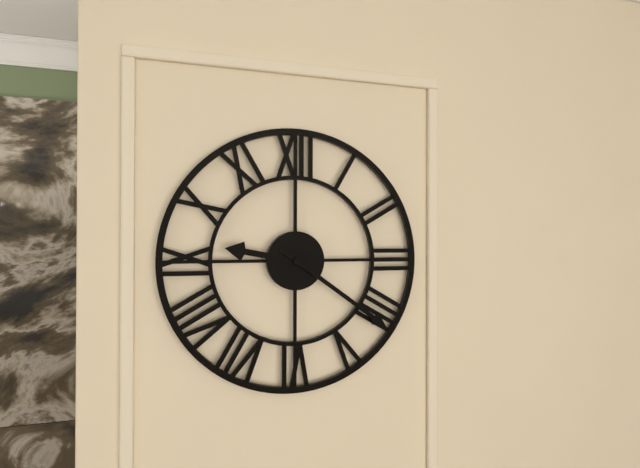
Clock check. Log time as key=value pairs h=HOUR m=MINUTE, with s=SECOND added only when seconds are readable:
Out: h=9 m=21
